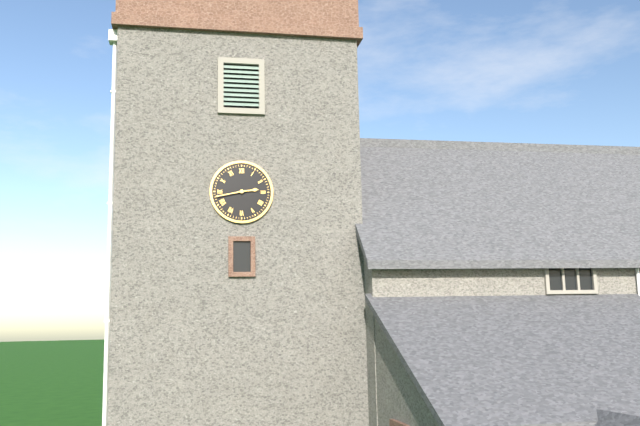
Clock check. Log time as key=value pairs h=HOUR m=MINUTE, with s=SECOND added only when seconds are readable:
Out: h=2 m=43
